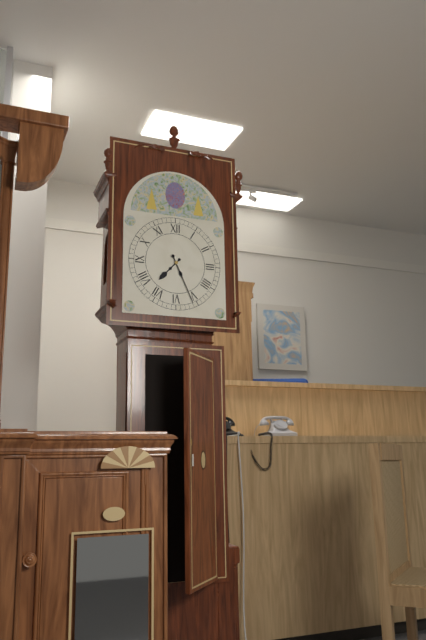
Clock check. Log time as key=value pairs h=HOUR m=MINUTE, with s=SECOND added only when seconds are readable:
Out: h=7 m=26
